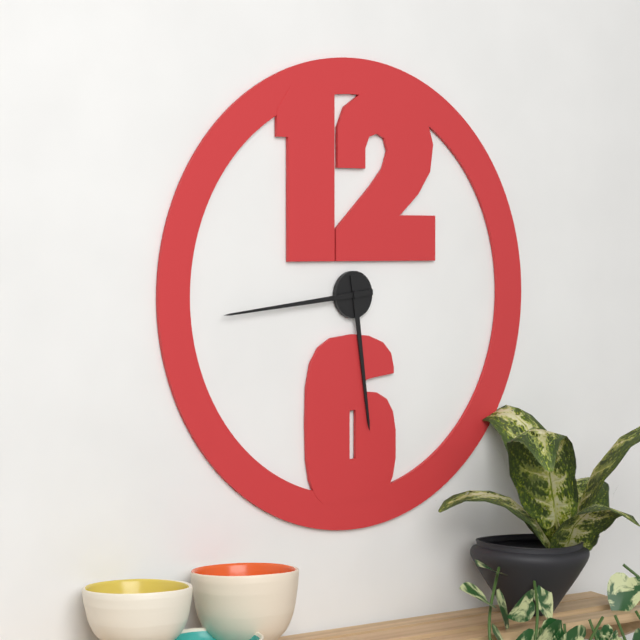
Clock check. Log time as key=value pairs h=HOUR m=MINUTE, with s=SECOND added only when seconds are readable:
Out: h=5 m=44
